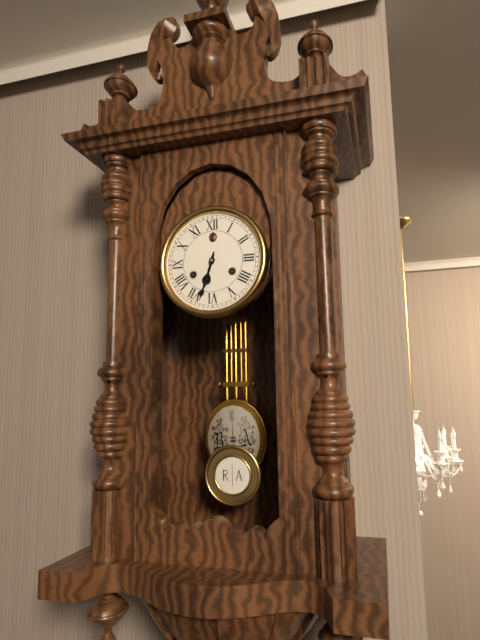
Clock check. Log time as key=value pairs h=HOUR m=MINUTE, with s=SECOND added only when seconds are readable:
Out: h=6 m=33
